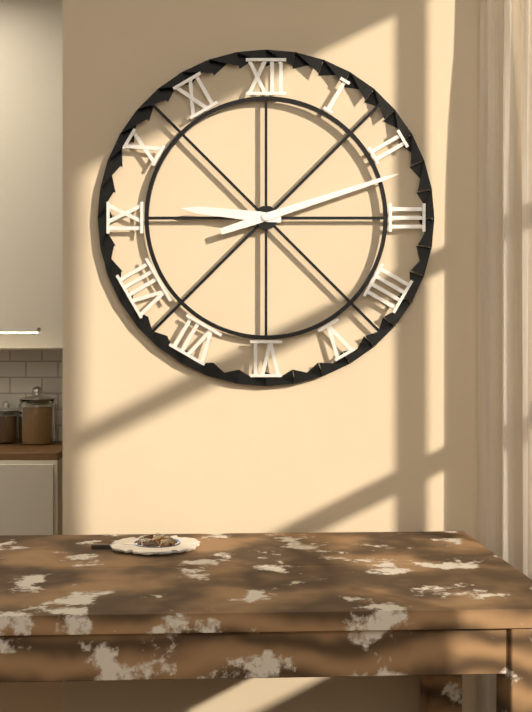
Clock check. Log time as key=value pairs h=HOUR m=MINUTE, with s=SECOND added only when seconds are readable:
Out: h=9 m=12
